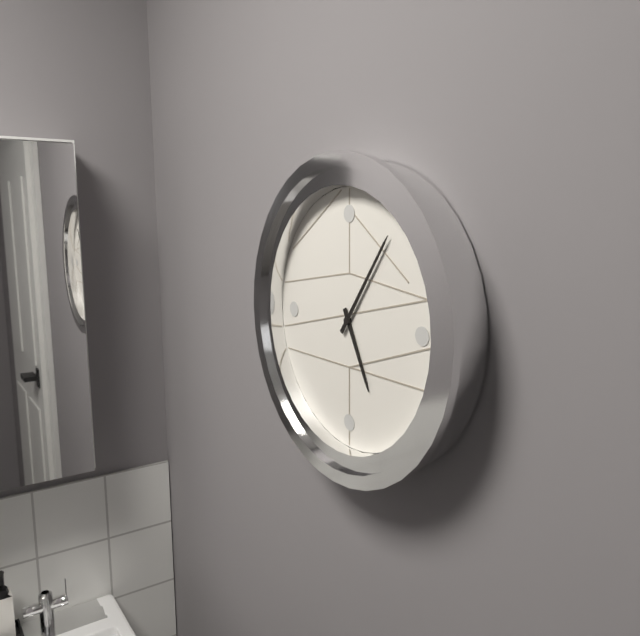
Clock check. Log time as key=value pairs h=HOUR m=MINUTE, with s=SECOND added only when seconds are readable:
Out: h=5 m=6
